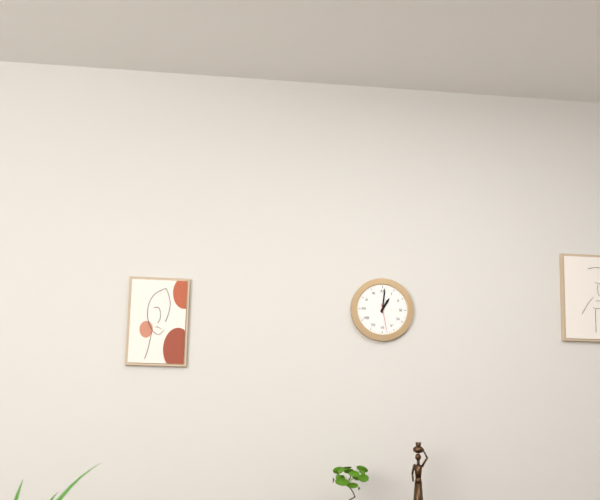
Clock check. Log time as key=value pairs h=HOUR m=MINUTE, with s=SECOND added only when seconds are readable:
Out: h=1 m=1
